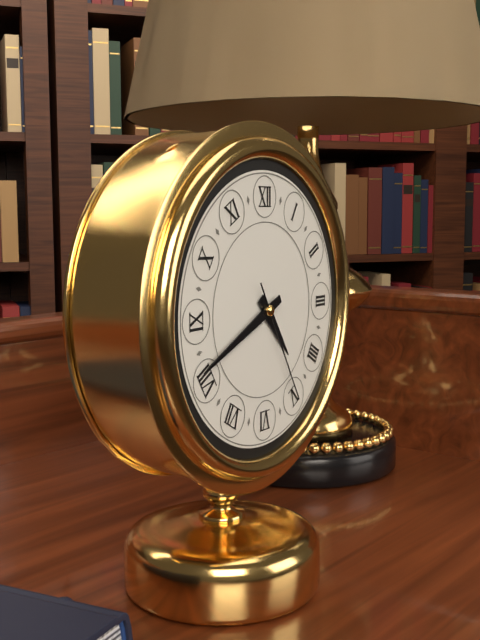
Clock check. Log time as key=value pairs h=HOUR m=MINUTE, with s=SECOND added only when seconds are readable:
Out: h=4 m=41 s=25
